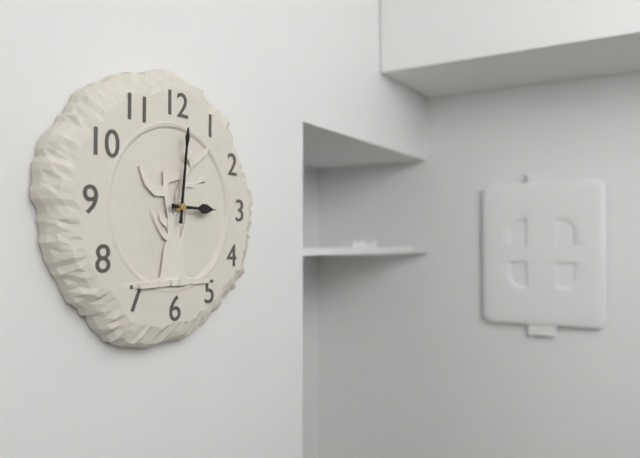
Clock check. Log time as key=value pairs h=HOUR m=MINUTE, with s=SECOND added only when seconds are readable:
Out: h=3 m=1
